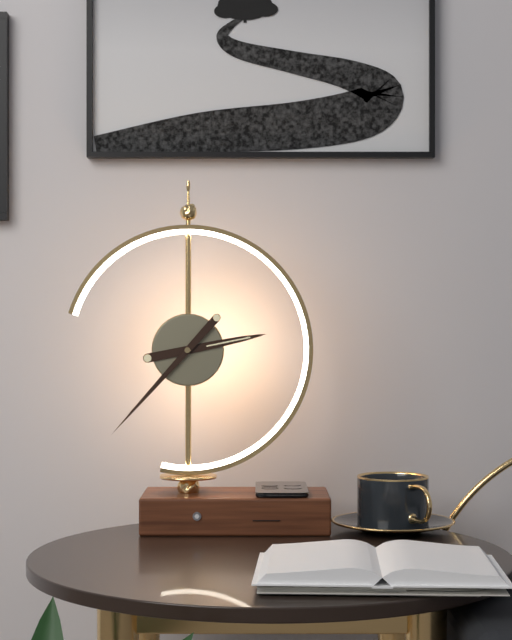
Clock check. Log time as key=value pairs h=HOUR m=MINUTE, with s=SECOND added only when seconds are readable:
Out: h=2 m=37
